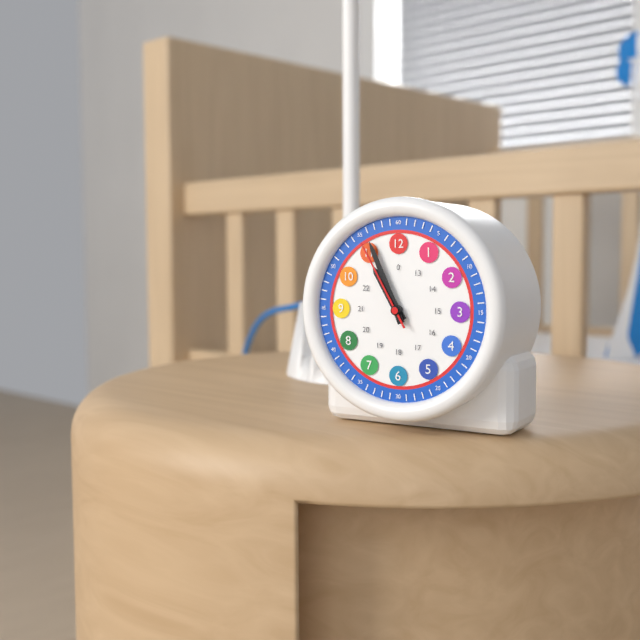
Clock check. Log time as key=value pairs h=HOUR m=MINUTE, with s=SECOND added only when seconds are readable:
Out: h=10 m=56 s=55
